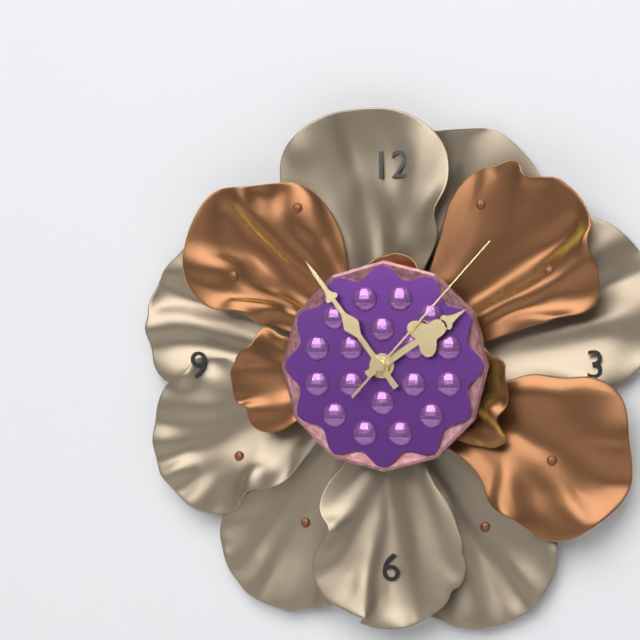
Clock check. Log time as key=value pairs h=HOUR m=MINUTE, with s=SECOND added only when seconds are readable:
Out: h=1 m=54 s=7
